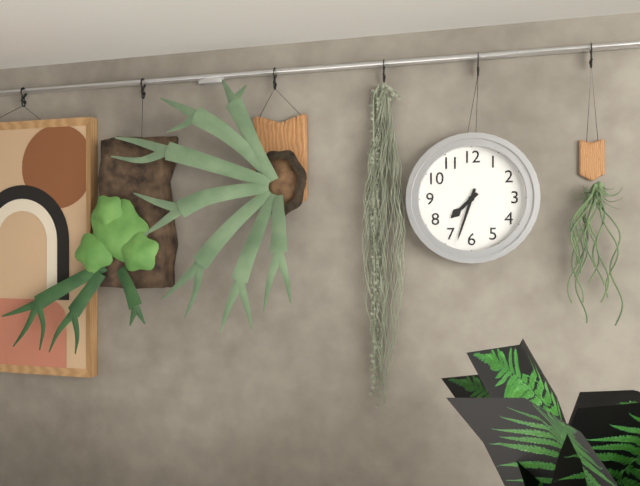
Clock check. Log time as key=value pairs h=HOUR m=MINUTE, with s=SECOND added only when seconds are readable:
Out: h=7 m=33
